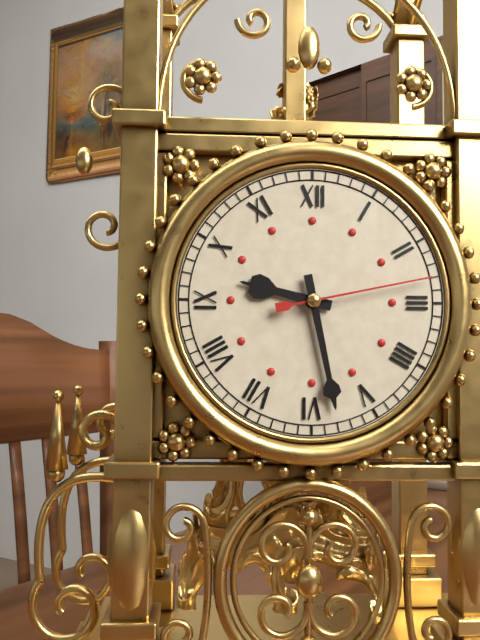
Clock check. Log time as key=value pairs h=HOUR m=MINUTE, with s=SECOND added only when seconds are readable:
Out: h=9 m=28 s=13
